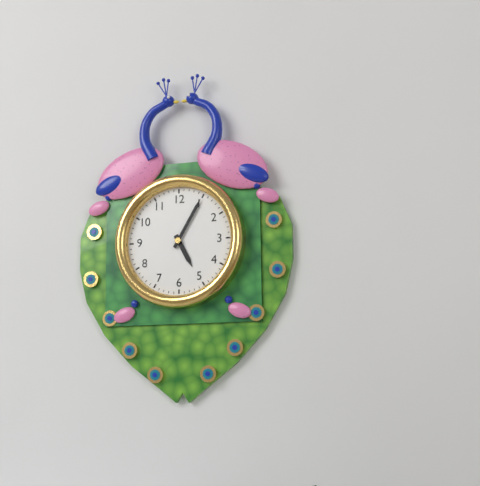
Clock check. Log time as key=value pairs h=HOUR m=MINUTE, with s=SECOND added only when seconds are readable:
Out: h=5 m=5
